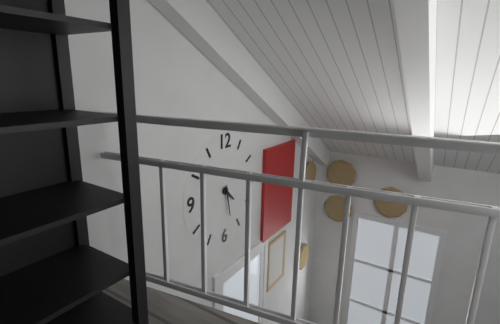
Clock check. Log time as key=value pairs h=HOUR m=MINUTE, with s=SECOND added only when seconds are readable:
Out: h=4 m=28
